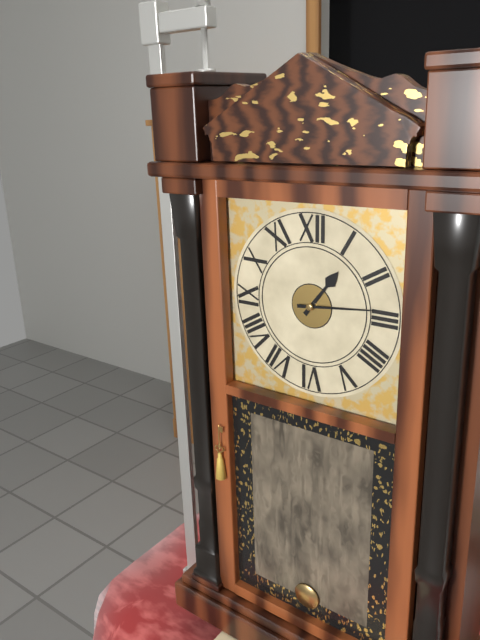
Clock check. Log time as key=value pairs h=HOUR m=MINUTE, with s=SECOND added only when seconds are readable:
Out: h=1 m=14
